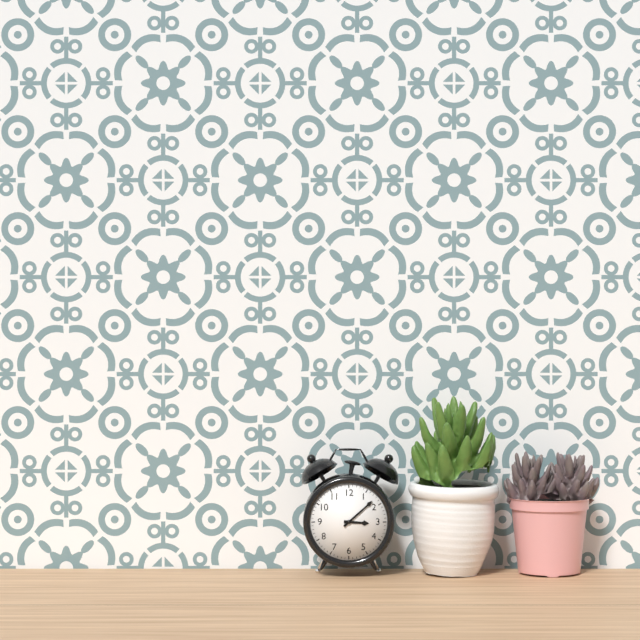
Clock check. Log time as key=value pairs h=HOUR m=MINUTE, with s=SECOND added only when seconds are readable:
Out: h=3 m=8
